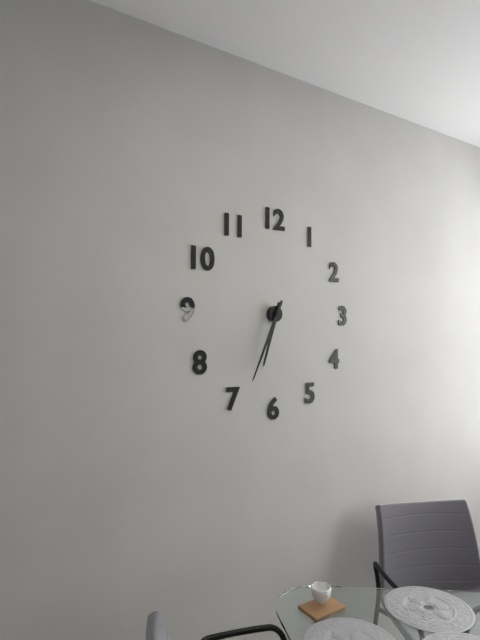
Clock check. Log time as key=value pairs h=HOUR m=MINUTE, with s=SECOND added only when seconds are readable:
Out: h=6 m=34
